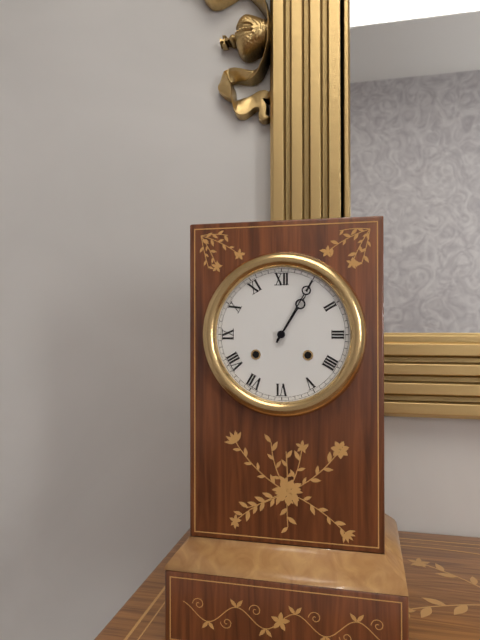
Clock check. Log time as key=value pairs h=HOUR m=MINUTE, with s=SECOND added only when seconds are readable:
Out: h=1 m=5
